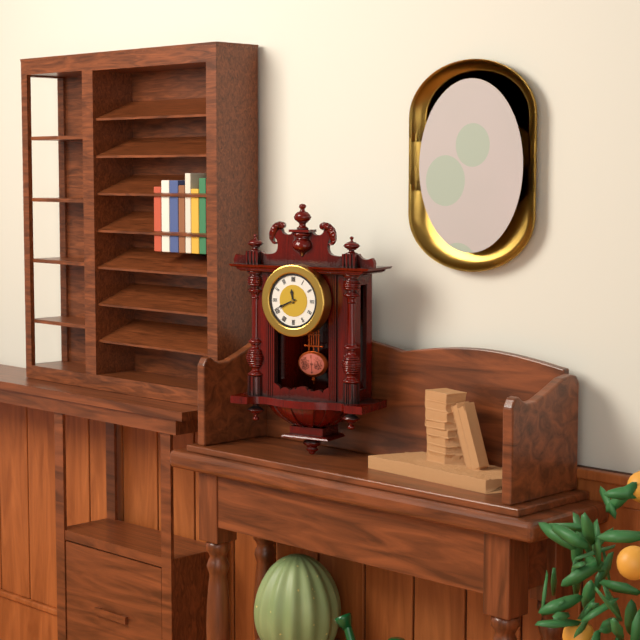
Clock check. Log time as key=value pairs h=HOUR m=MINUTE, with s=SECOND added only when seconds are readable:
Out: h=11 m=41
